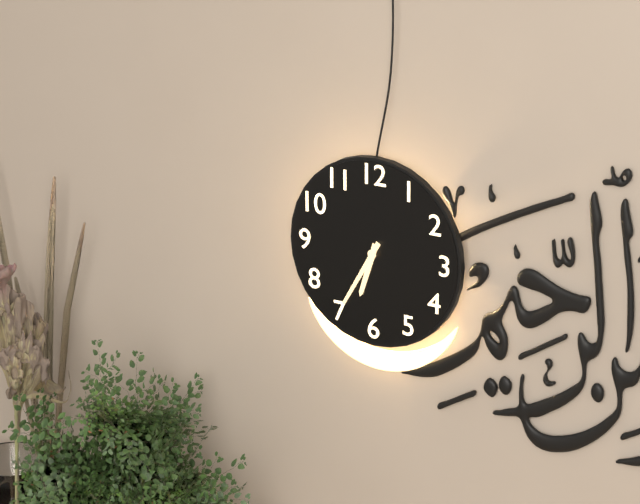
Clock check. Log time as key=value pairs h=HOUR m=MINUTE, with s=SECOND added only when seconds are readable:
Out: h=6 m=35
